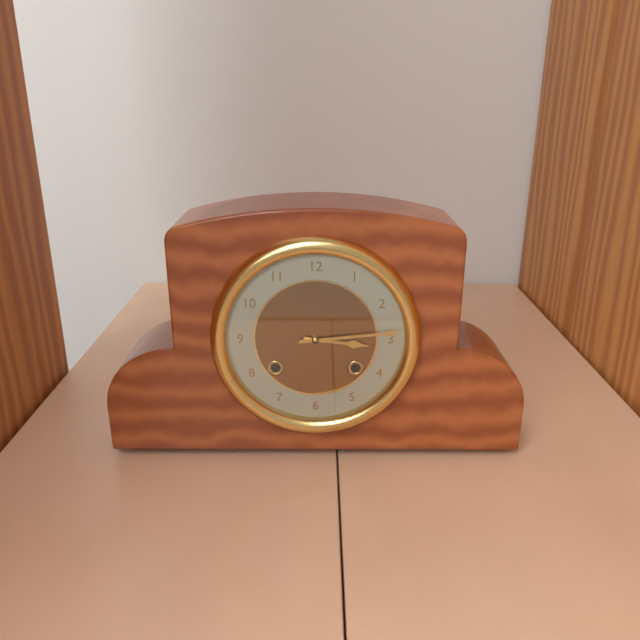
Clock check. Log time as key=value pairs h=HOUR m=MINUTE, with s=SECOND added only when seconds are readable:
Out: h=3 m=14
